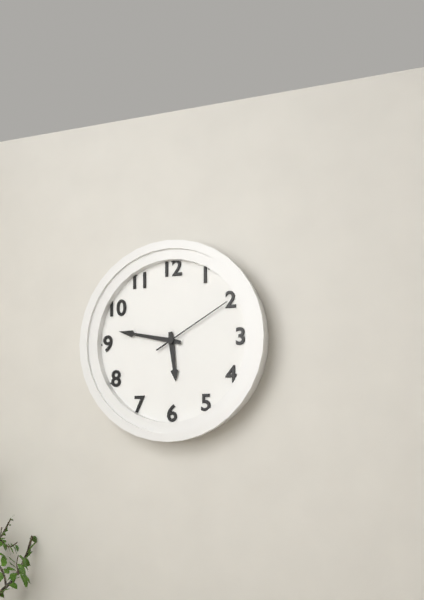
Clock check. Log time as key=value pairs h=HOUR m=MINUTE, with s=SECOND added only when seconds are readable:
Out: h=5 m=47 s=10
